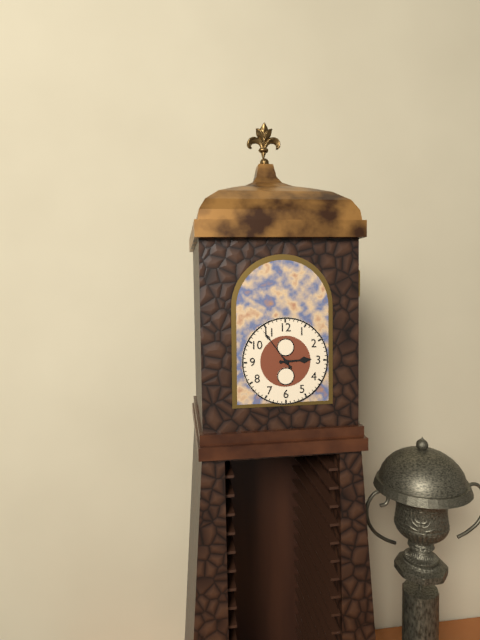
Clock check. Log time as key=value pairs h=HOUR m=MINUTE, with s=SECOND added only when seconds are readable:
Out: h=2 m=54
